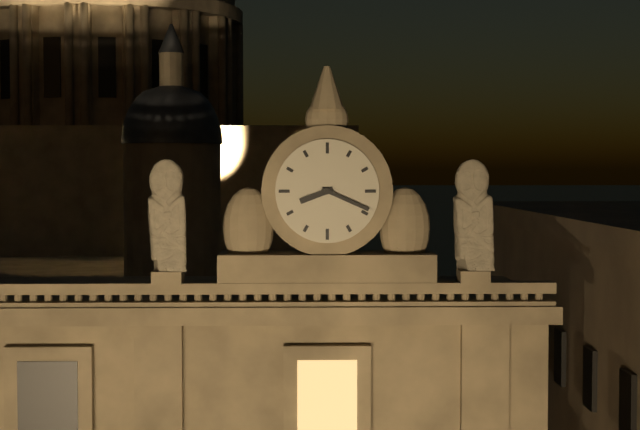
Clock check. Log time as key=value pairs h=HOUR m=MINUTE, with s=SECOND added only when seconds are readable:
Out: h=8 m=19
